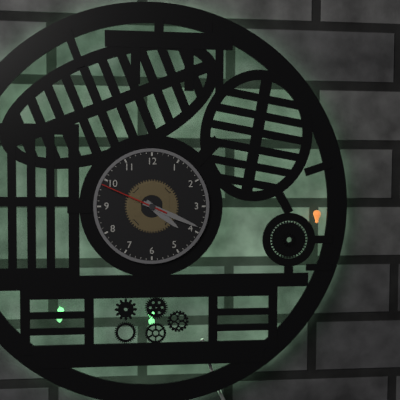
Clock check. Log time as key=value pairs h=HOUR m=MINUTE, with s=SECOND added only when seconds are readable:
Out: h=4 m=19 s=49
